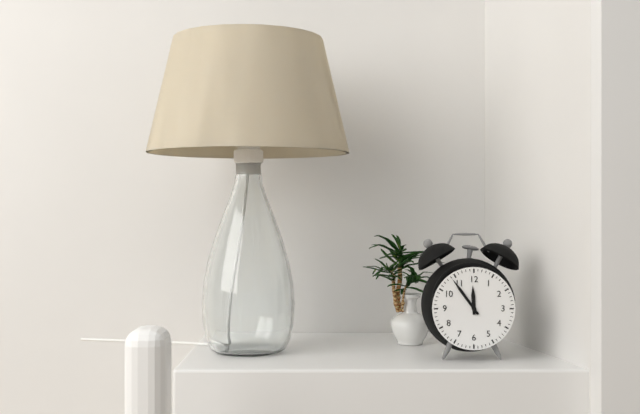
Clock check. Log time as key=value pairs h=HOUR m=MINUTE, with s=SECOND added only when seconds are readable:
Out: h=11 m=54
